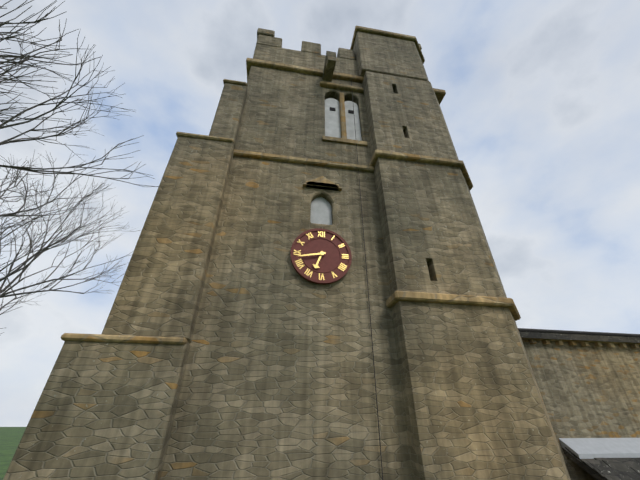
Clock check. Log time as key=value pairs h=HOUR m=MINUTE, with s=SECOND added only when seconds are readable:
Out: h=6 m=43
